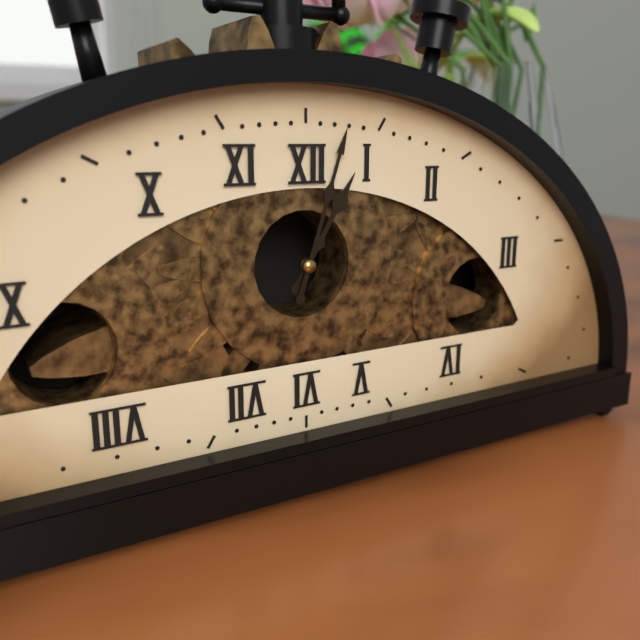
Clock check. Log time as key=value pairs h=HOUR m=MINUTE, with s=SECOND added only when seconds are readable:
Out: h=1 m=3
